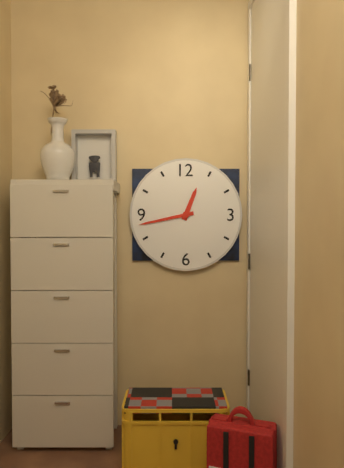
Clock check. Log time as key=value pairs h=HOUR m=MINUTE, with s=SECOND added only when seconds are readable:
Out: h=12 m=43
